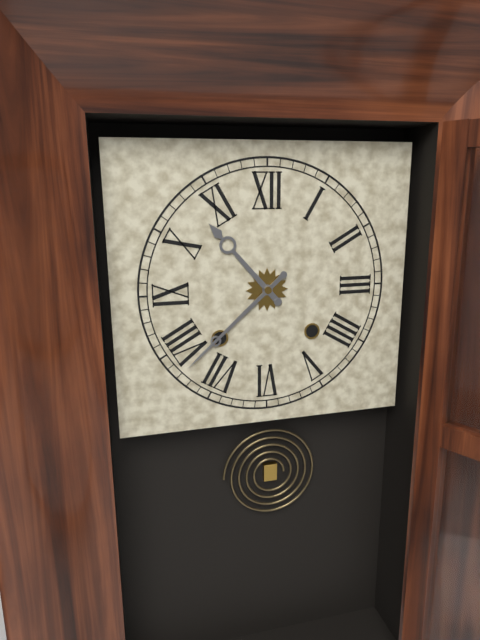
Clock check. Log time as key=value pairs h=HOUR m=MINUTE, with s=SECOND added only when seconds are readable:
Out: h=10 m=38
